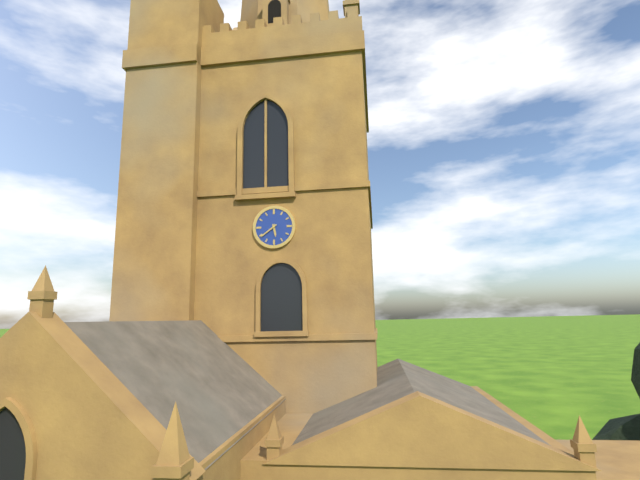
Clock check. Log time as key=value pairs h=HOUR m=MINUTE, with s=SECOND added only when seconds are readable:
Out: h=5 m=39
